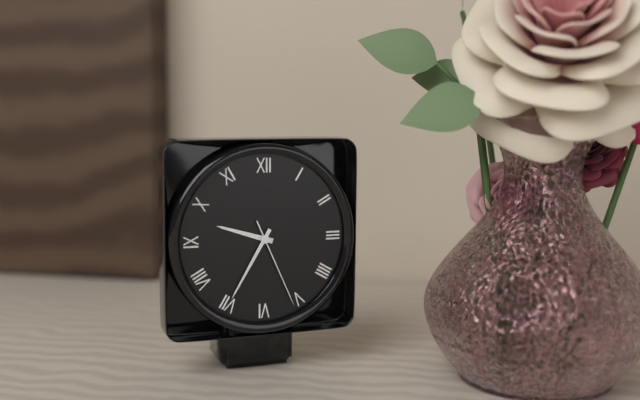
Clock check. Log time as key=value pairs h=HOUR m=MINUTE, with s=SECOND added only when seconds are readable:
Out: h=9 m=35 s=26
